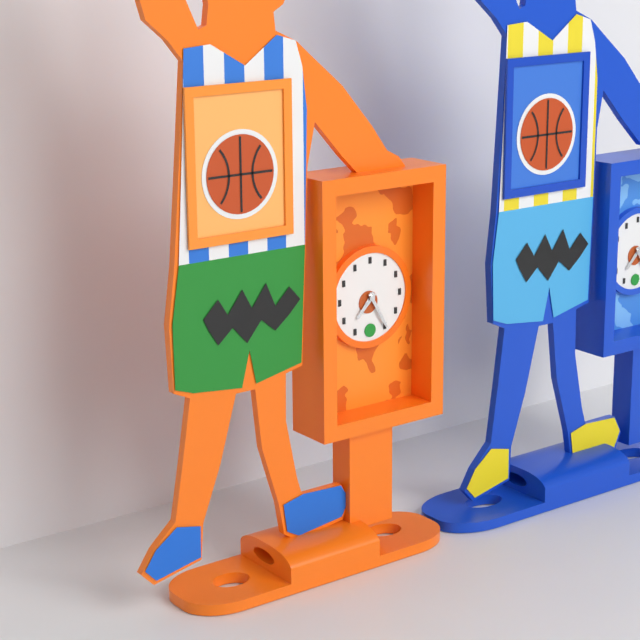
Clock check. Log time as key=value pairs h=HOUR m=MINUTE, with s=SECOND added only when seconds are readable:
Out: h=7 m=25
